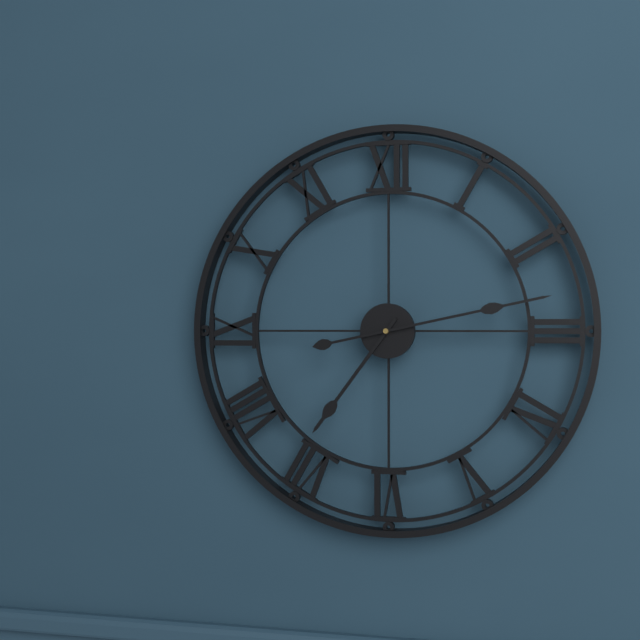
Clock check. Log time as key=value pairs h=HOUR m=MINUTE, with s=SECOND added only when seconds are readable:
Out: h=7 m=13
